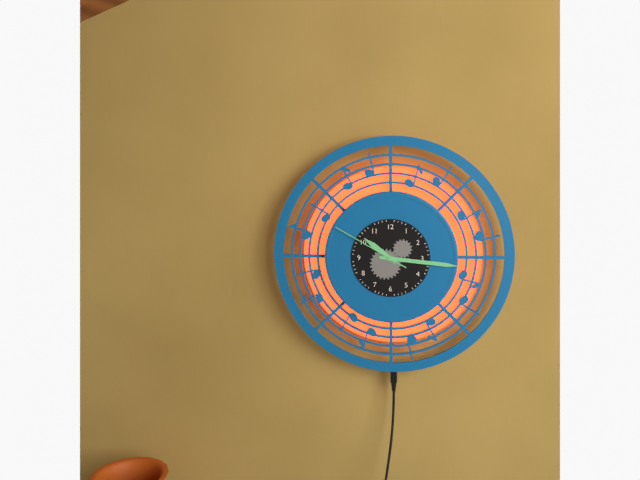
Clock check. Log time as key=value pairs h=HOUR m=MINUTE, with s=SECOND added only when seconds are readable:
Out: h=10 m=16 s=50
